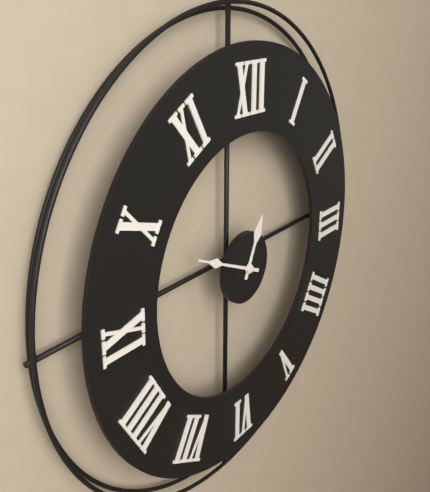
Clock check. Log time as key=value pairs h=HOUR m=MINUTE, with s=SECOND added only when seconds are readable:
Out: h=12 m=49
